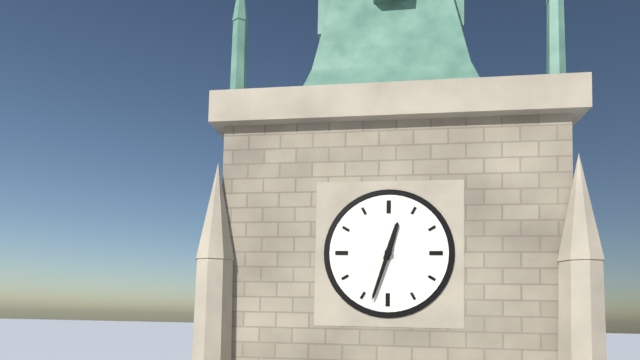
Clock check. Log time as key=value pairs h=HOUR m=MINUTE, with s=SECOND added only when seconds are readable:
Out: h=12 m=33
